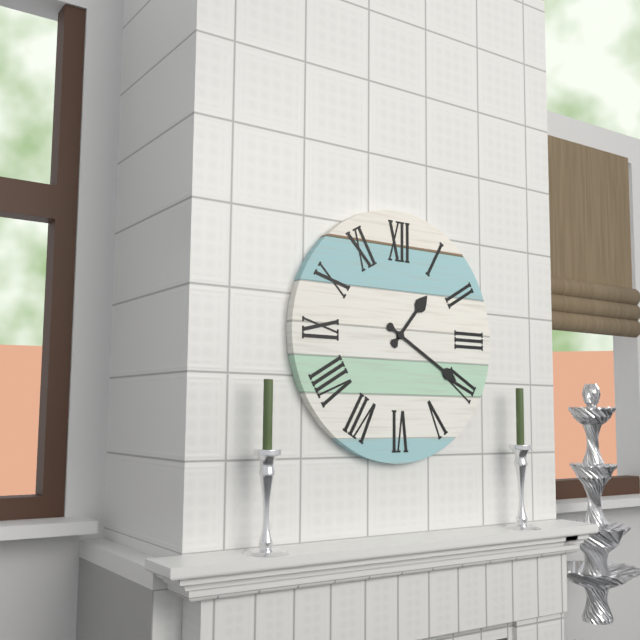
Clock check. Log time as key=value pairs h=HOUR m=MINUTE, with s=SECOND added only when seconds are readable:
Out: h=1 m=20
